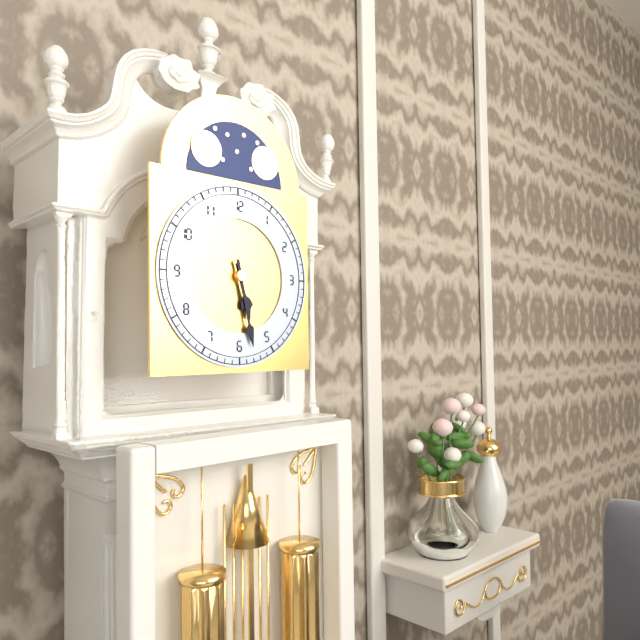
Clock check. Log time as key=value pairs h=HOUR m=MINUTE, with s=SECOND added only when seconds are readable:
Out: h=5 m=28
